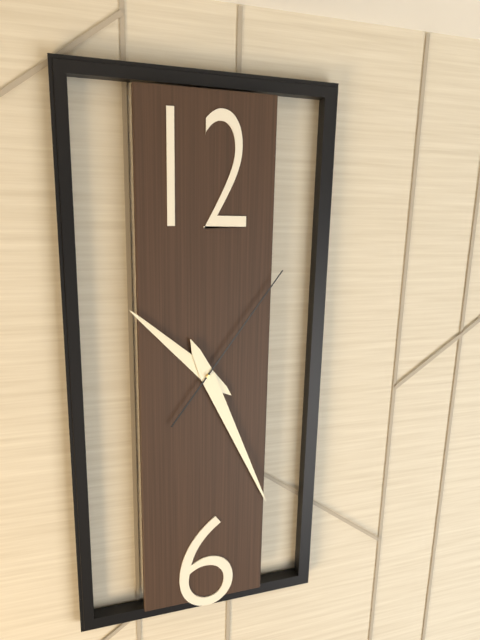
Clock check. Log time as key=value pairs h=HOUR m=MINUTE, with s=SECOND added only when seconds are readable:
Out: h=10 m=26 s=6
